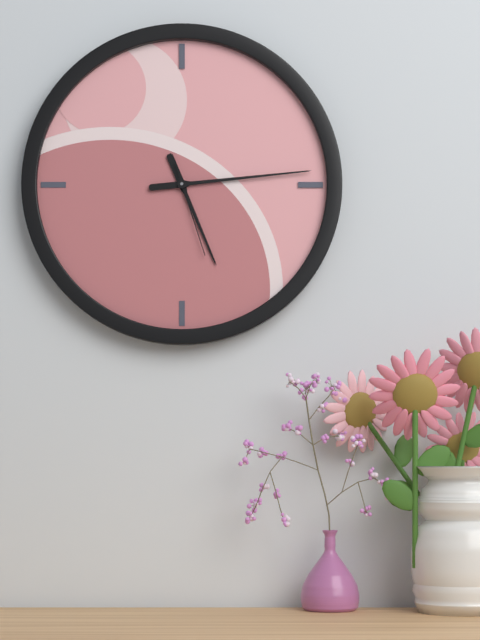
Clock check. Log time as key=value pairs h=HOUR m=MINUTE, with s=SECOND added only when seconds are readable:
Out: h=5 m=14 s=27
